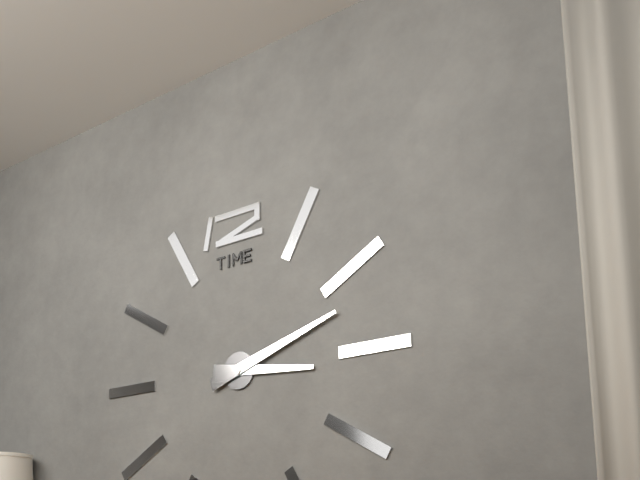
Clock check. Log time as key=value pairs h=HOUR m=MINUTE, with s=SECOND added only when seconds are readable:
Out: h=3 m=12
